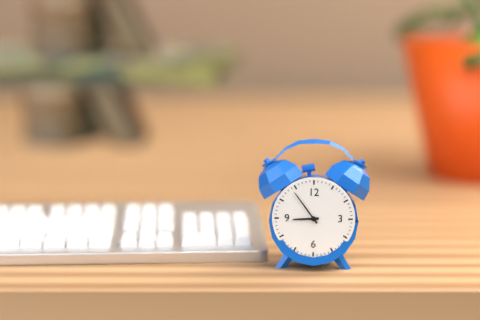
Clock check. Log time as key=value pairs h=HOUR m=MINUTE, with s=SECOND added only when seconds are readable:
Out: h=8 m=54
